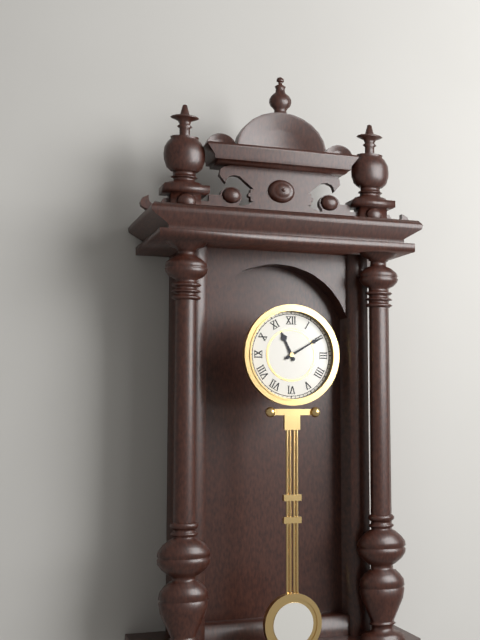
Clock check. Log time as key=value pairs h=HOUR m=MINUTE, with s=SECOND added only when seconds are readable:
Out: h=11 m=10
